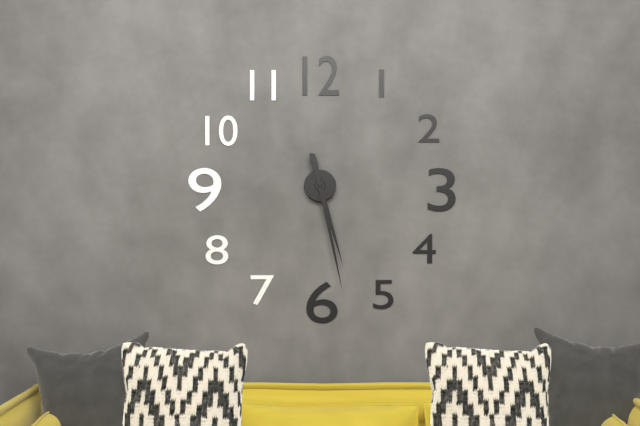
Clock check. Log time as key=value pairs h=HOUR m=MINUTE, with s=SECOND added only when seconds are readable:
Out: h=5 m=28
